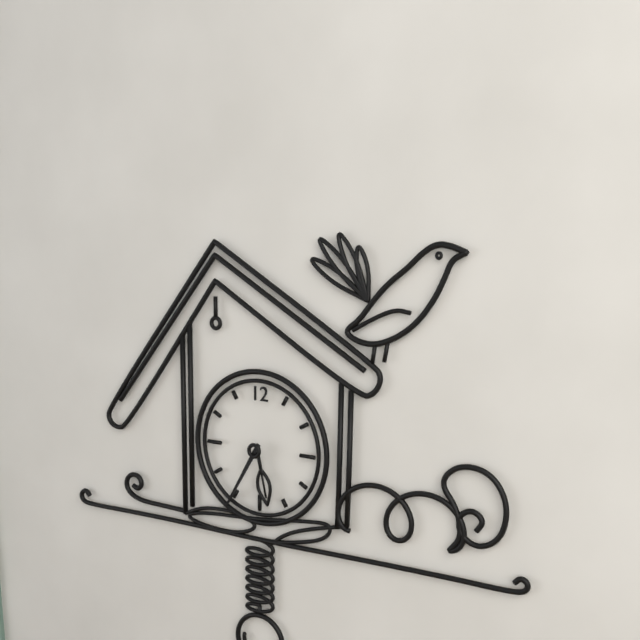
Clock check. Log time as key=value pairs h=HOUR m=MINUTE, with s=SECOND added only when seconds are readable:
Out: h=5 m=35
